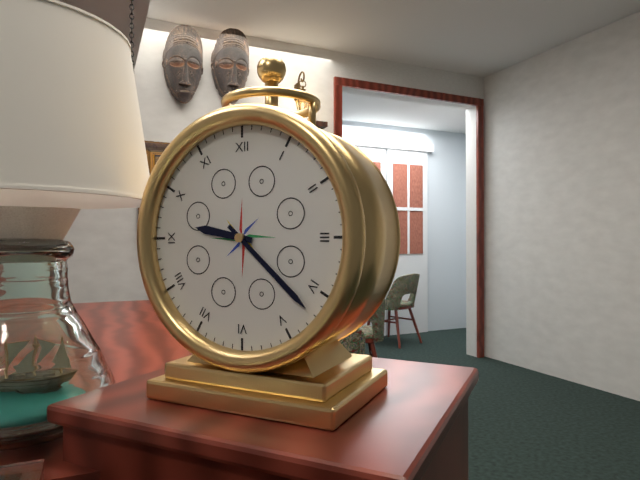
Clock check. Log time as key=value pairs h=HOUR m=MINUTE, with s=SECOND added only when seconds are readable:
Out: h=9 m=22
